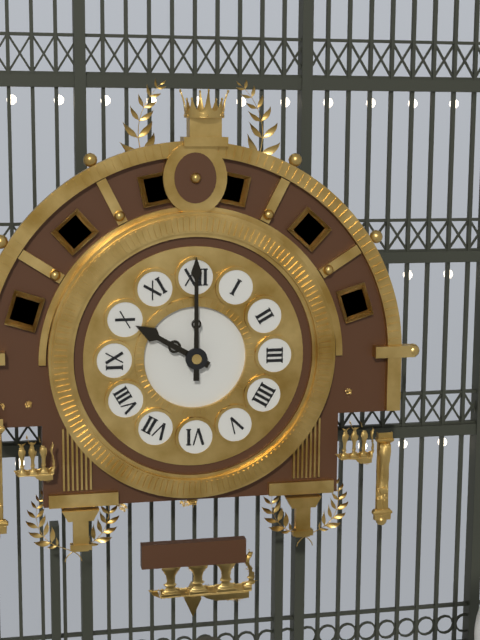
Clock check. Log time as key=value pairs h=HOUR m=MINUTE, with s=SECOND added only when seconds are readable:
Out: h=10 m=0
